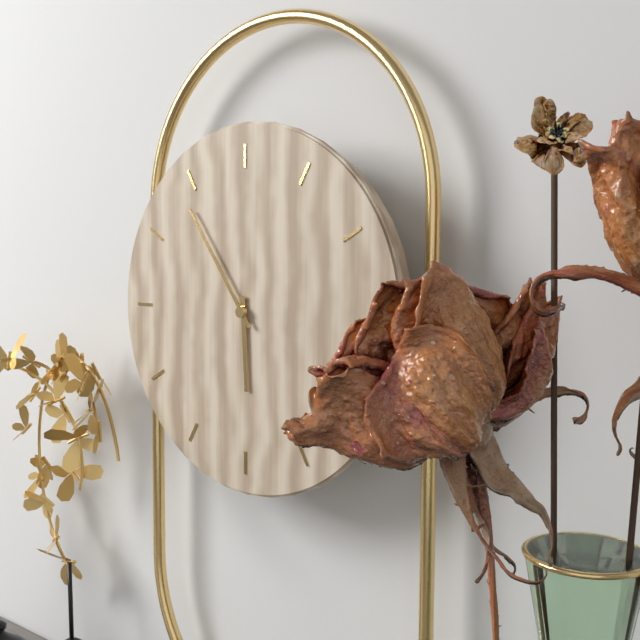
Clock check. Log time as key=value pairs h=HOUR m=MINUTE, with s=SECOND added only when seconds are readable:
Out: h=5 m=54
